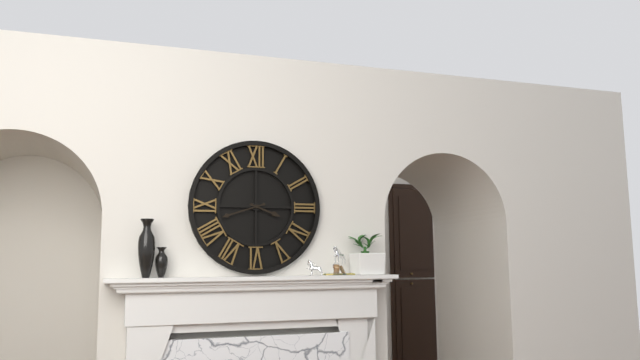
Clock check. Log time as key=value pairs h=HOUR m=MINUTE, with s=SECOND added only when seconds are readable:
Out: h=3 m=42
